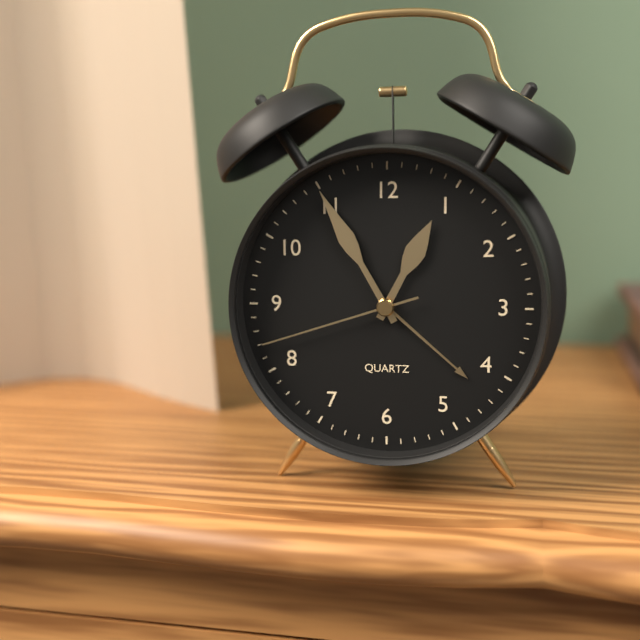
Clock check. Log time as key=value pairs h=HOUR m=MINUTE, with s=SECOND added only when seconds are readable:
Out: h=12 m=55 s=42
